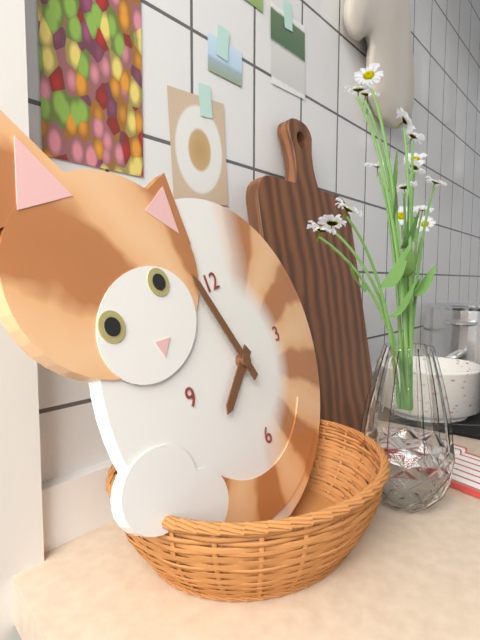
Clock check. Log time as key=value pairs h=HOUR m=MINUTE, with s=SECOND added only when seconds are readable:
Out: h=7 m=57
